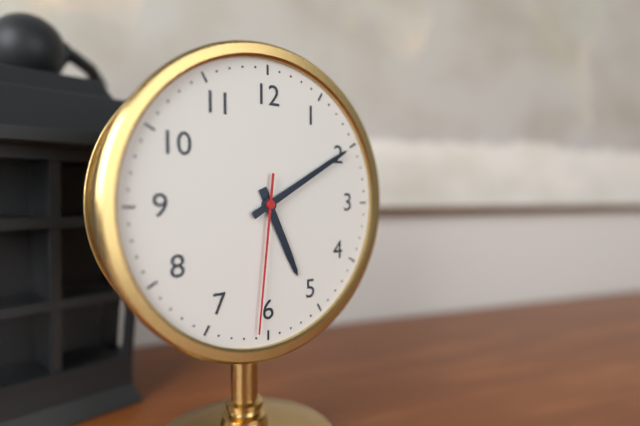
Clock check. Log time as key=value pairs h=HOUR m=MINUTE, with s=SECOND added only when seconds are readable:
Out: h=5 m=10 s=31
